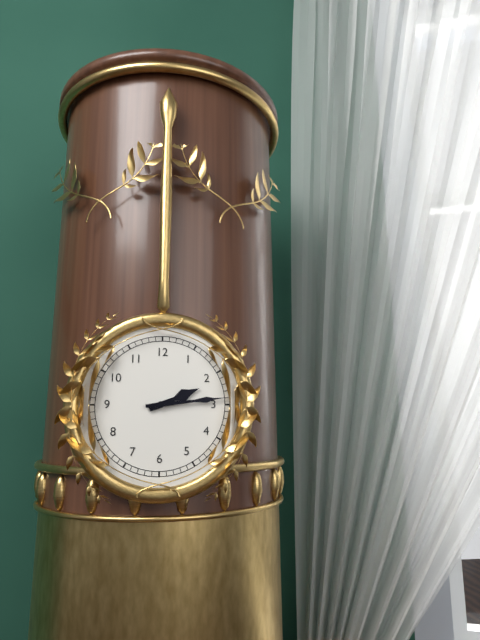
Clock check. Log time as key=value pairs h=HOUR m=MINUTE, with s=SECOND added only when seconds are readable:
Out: h=2 m=14
